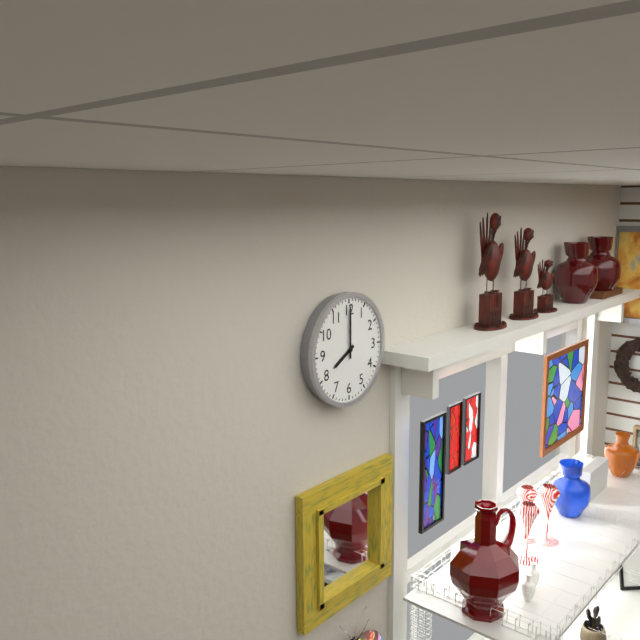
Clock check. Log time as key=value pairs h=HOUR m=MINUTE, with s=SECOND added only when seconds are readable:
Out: h=8 m=0
